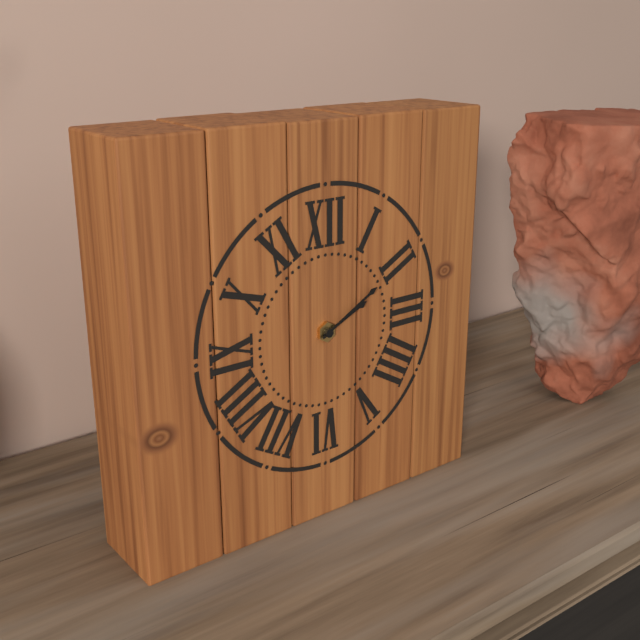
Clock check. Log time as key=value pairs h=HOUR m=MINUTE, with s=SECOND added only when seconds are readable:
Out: h=2 m=10
